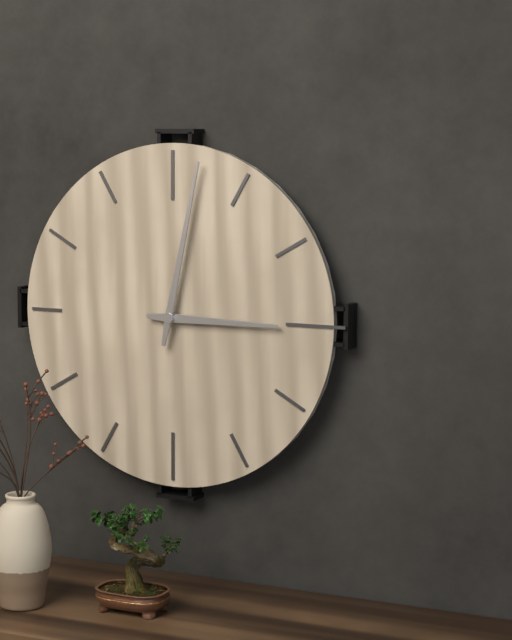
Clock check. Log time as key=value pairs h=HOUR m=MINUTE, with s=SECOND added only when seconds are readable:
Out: h=3 m=2
